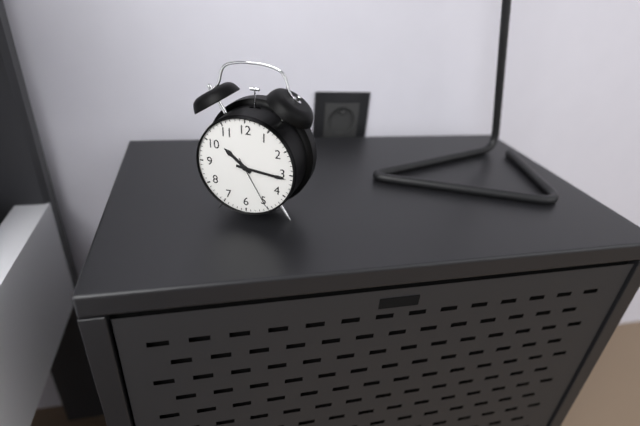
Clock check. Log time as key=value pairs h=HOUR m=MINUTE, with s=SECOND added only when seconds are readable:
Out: h=10 m=16 s=25
